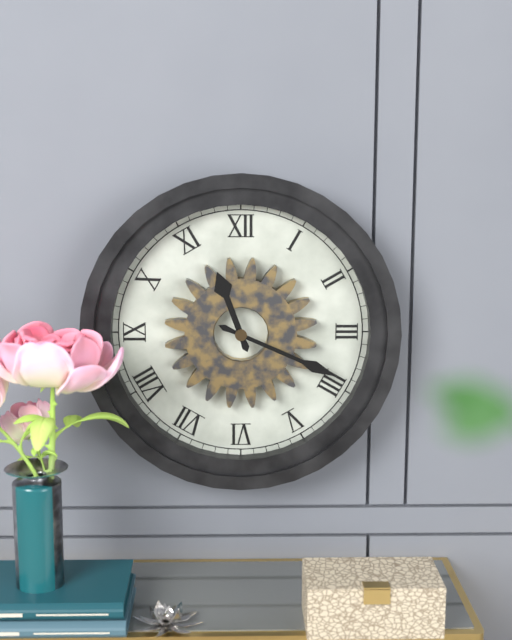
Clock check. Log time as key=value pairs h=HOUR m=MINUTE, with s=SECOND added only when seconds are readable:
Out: h=11 m=19
